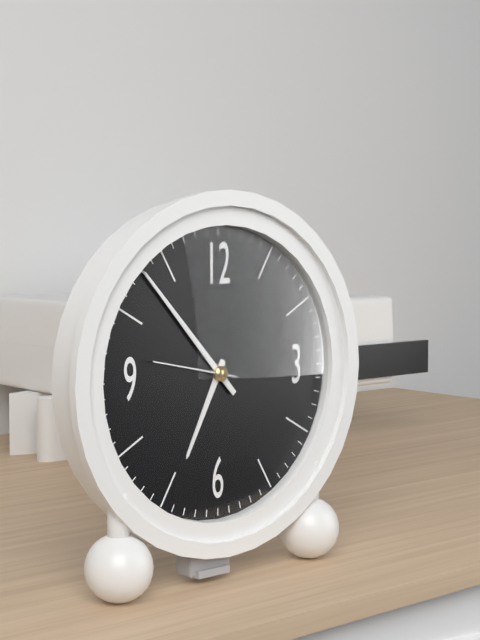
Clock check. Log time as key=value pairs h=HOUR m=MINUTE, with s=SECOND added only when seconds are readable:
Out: h=6 m=53 s=47
